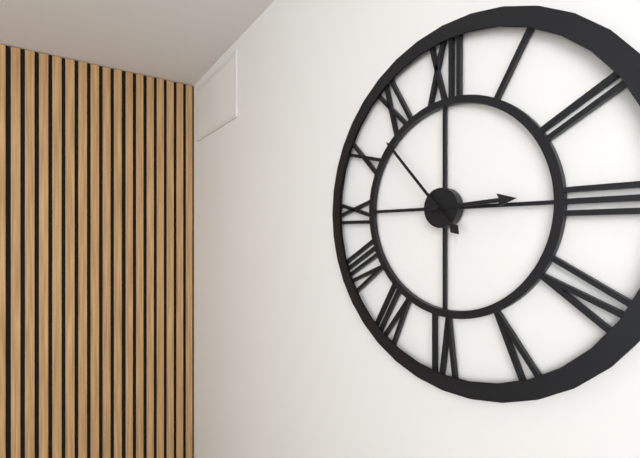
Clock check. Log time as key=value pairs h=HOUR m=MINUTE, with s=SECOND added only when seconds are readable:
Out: h=2 m=53
